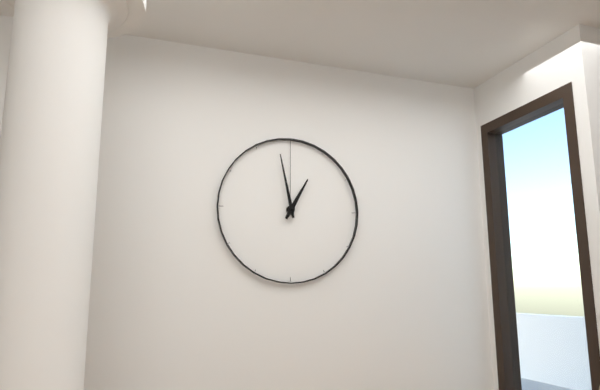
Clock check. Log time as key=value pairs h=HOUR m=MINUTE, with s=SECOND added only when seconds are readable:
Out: h=12 m=58
